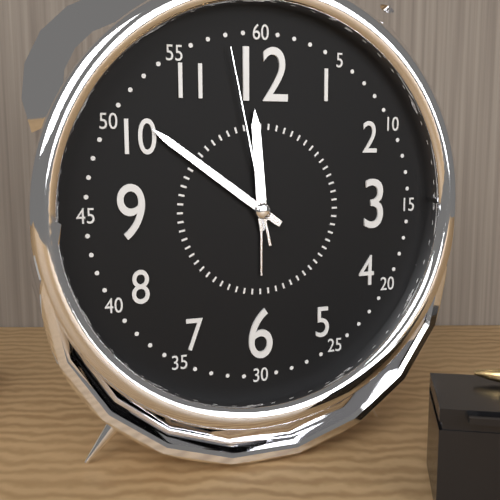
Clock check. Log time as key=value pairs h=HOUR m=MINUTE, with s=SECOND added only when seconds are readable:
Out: h=11 m=51 s=58
